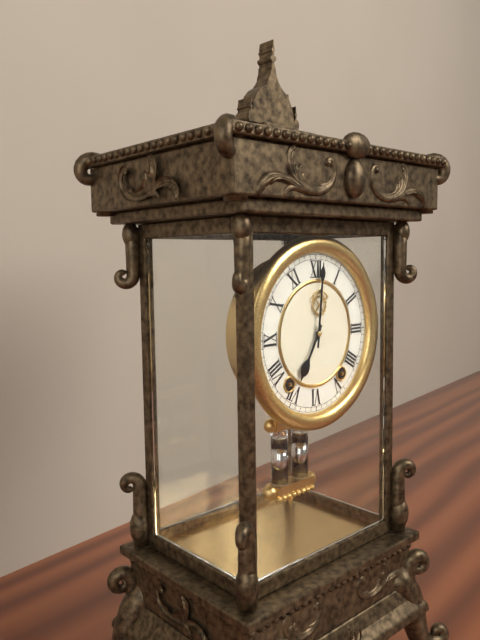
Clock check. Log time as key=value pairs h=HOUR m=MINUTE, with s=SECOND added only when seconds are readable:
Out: h=7 m=1
